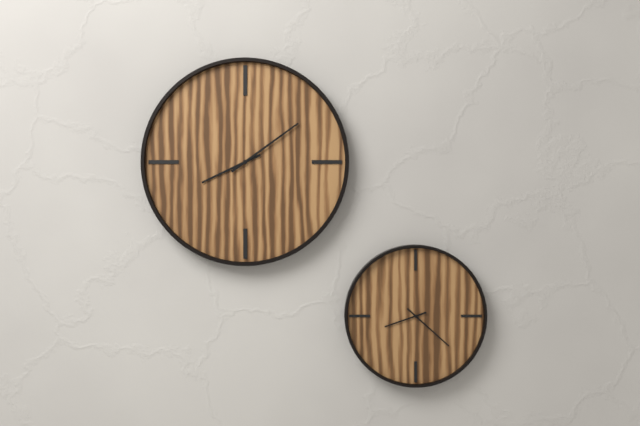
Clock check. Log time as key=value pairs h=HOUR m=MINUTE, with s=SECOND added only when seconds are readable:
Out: h=8 m=9
